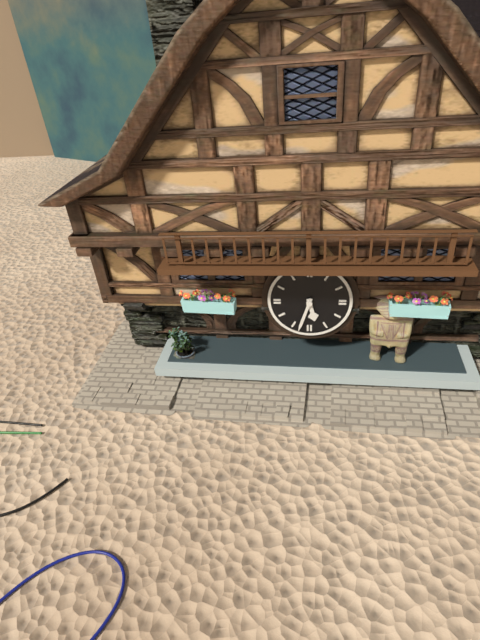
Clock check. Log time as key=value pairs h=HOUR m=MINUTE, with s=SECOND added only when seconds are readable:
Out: h=5 m=33
